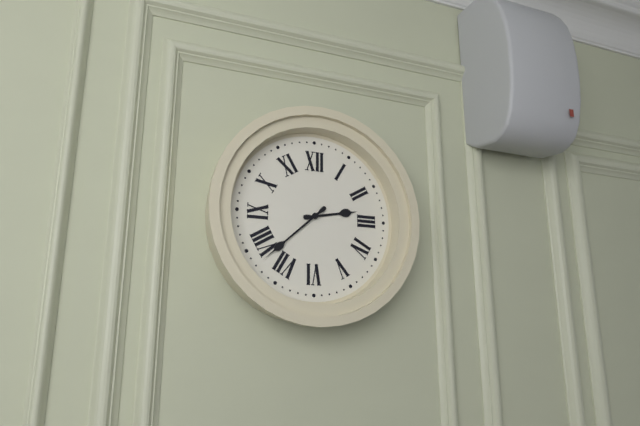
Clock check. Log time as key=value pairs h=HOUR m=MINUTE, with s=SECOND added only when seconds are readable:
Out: h=2 m=38
